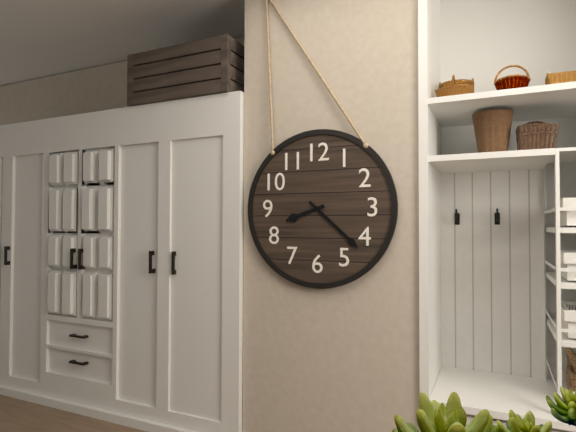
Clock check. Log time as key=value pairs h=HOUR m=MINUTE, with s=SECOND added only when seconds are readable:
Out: h=8 m=22
